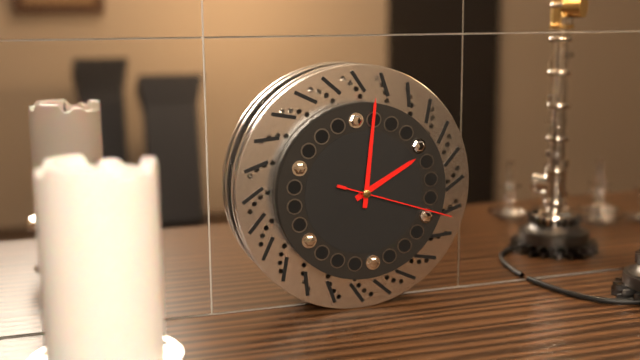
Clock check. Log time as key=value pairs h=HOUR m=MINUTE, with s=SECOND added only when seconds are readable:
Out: h=2 m=1 s=18
